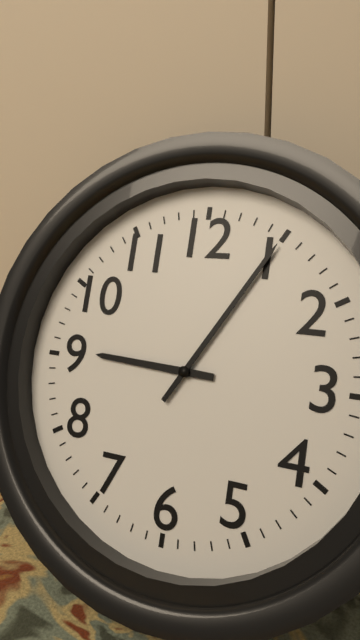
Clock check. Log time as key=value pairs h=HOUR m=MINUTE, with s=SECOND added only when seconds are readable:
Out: h=9 m=5
